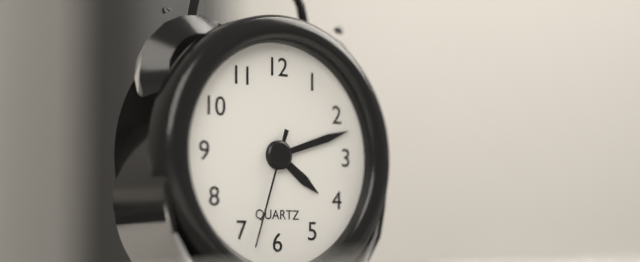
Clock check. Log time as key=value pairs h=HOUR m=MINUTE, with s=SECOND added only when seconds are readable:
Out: h=4 m=12 s=33
